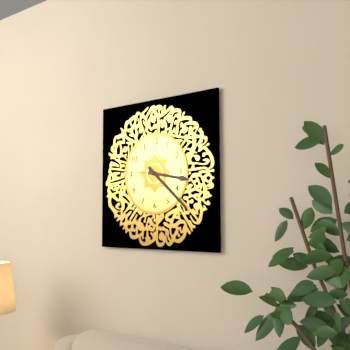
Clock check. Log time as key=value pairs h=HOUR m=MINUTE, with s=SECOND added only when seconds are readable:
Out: h=3 m=22
